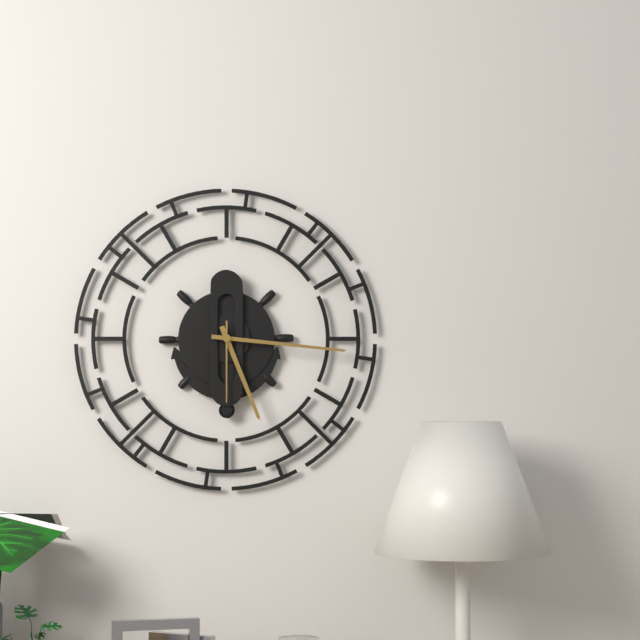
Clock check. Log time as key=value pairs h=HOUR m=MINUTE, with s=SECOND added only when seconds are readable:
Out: h=5 m=16 s=30
